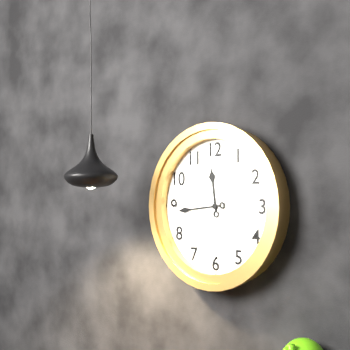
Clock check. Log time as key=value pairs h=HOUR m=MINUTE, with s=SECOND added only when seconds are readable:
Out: h=11 m=44
